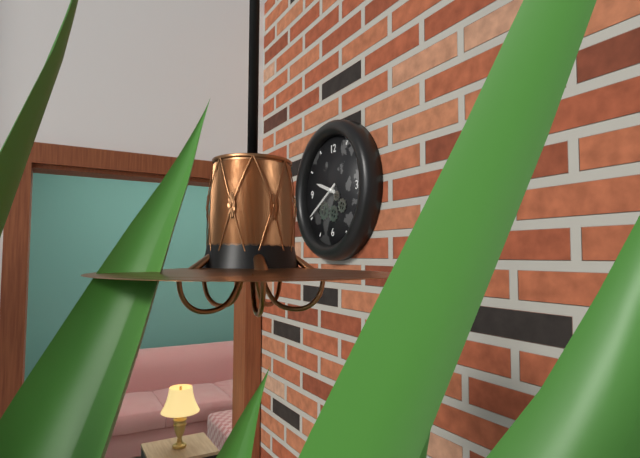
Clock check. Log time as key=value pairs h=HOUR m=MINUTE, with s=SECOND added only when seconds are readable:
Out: h=9 m=40
